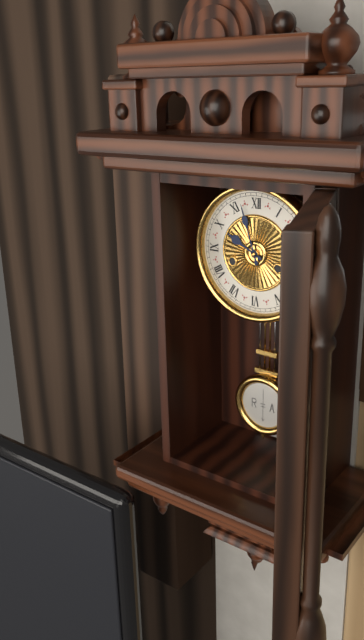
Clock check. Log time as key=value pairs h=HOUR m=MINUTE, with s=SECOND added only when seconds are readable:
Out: h=9 m=57
